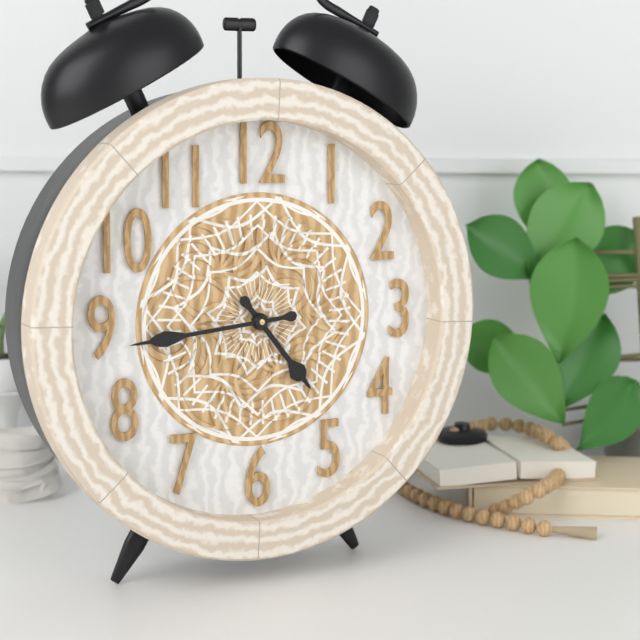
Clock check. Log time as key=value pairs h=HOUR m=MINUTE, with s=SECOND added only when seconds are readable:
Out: h=4 m=44
